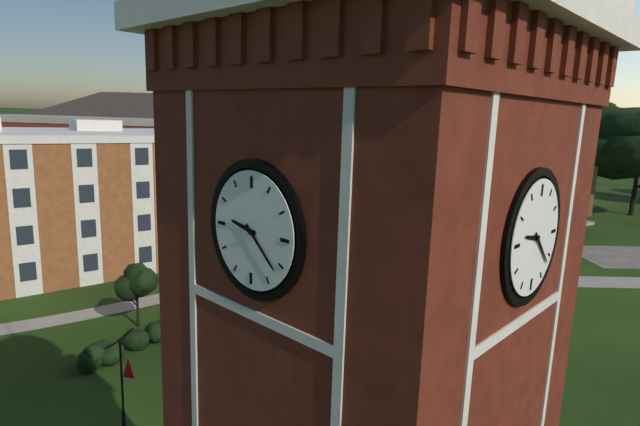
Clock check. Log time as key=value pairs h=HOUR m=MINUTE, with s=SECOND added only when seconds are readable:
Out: h=9 m=22
